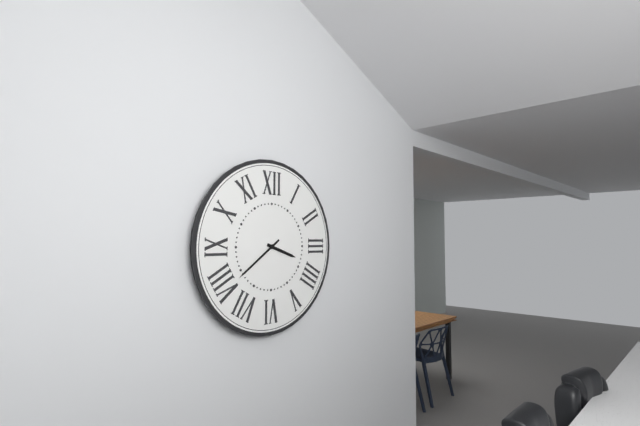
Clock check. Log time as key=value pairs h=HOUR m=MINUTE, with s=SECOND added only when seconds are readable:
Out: h=3 m=39
